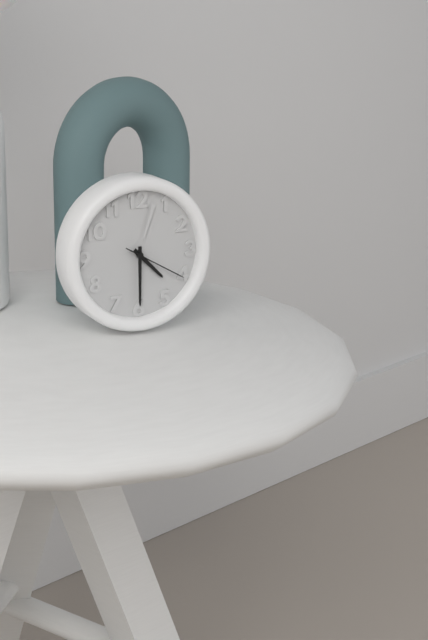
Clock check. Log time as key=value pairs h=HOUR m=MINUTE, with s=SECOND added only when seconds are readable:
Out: h=4 m=30 s=20
